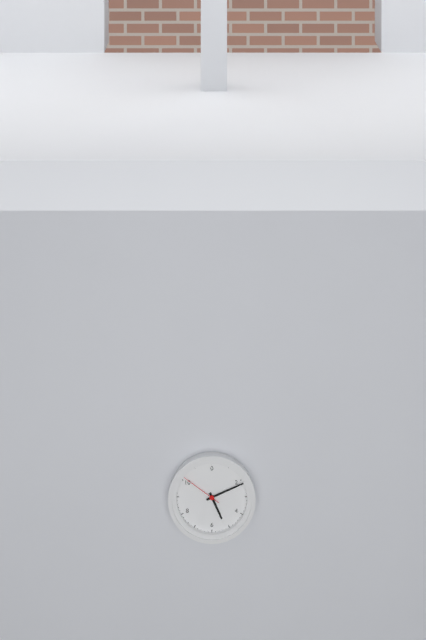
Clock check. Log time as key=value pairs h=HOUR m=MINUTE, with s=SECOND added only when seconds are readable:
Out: h=5 m=11
